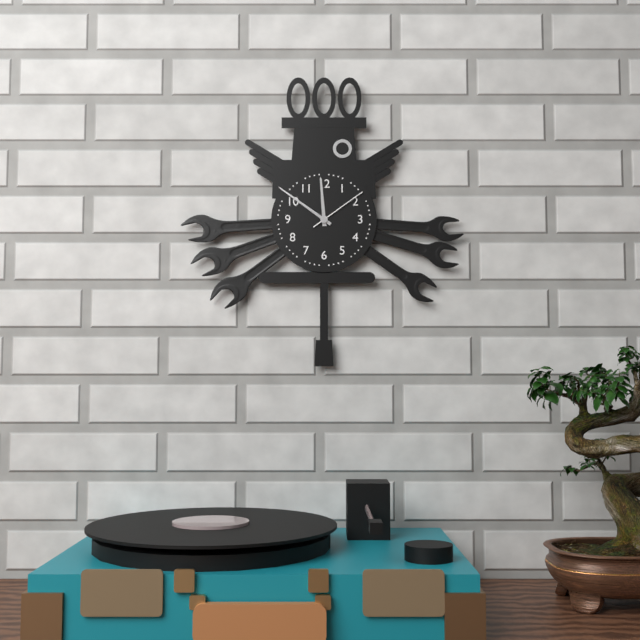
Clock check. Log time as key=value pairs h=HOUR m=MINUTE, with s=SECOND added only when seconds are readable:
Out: h=11 m=51 s=9
